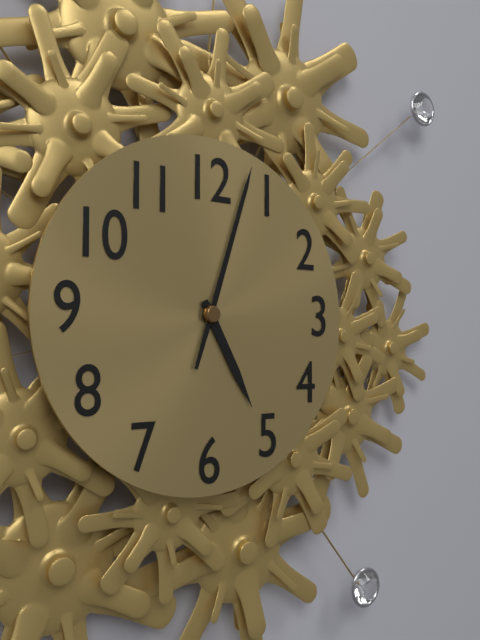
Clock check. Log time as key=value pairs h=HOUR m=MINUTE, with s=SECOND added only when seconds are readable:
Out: h=5 m=3
